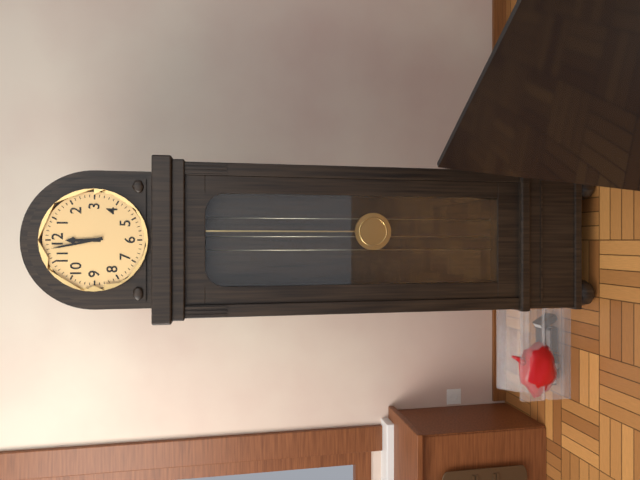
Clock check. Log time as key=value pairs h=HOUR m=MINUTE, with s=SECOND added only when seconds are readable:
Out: h=11 m=58
